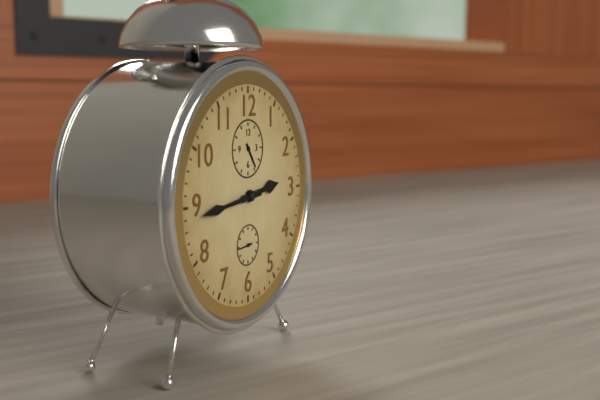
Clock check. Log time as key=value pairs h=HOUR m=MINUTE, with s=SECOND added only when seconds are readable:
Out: h=2 m=44
